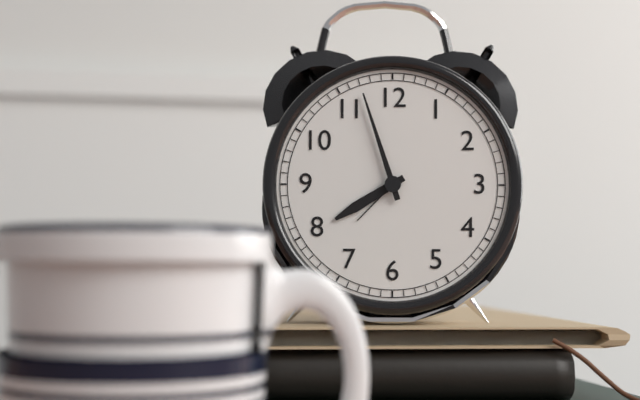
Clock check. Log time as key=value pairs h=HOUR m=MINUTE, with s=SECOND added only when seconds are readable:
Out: h=7 m=57
